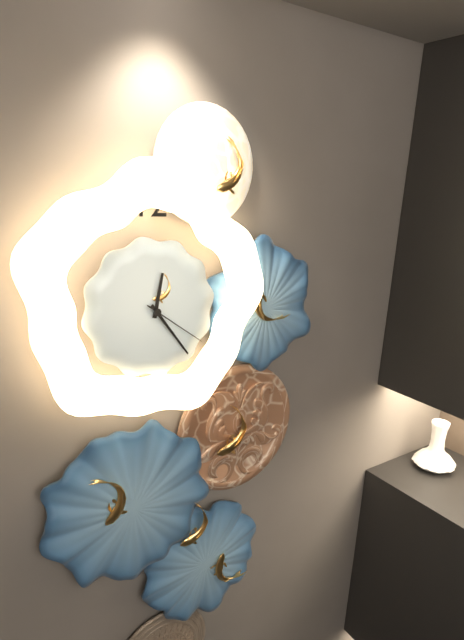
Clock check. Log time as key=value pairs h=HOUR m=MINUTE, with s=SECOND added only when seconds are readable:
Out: h=12 m=24 s=21
